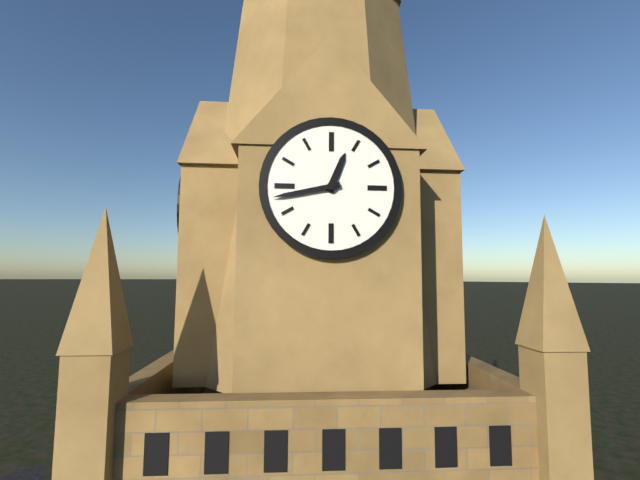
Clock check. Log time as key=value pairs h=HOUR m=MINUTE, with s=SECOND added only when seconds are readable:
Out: h=12 m=43
